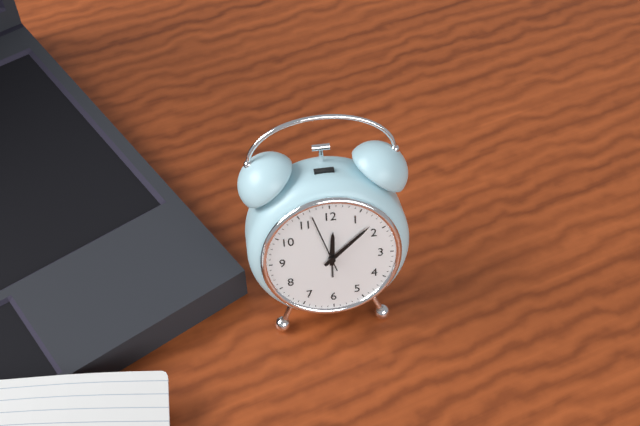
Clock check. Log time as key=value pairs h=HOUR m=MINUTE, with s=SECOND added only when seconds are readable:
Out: h=12 m=8 s=57
